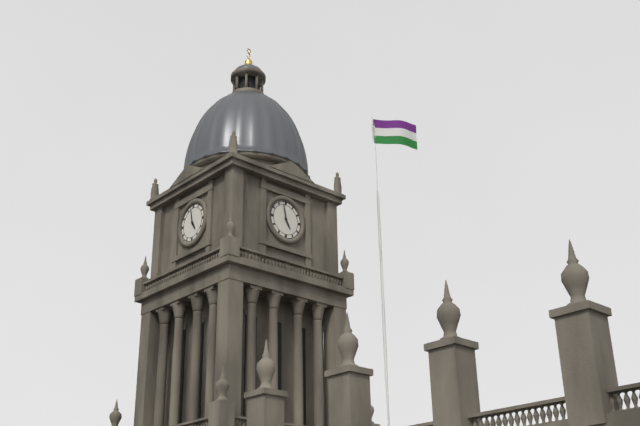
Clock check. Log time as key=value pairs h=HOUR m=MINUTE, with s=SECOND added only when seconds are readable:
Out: h=4 m=58
